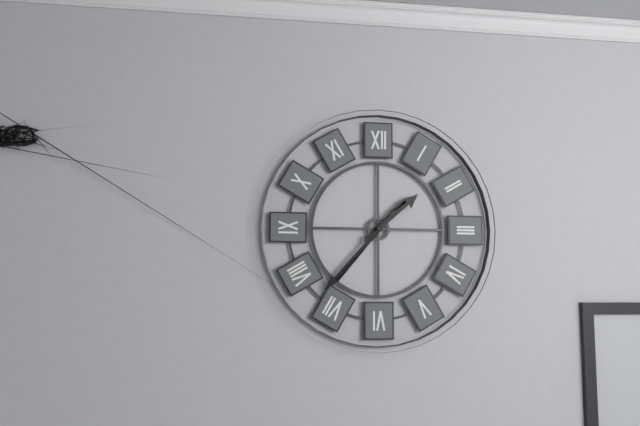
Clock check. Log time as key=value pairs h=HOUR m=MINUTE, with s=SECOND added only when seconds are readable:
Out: h=1 m=37
